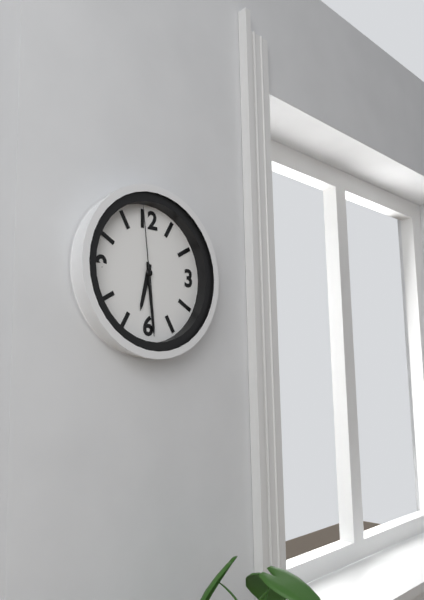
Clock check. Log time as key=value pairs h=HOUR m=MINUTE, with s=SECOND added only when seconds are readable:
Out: h=6 m=29 s=59
